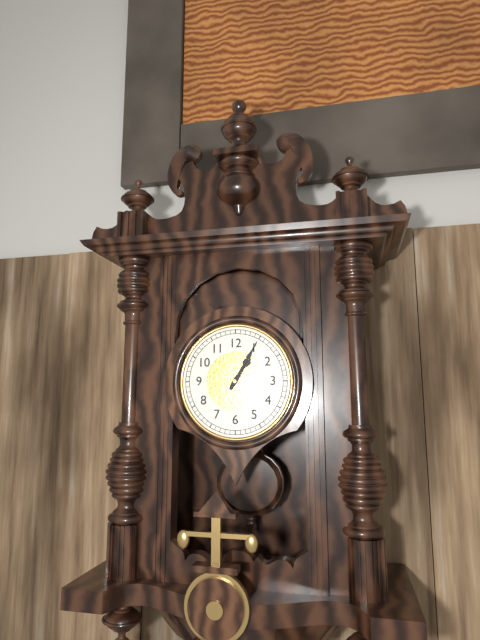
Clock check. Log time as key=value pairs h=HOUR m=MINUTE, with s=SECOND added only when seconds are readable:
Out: h=1 m=5
